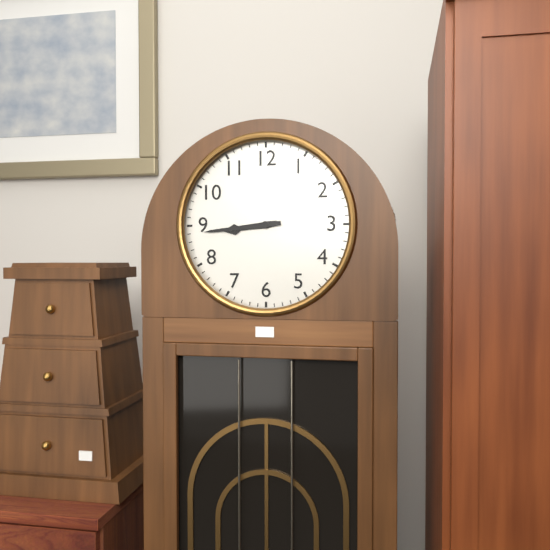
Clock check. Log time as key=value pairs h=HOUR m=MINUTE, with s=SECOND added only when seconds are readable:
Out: h=8 m=44
